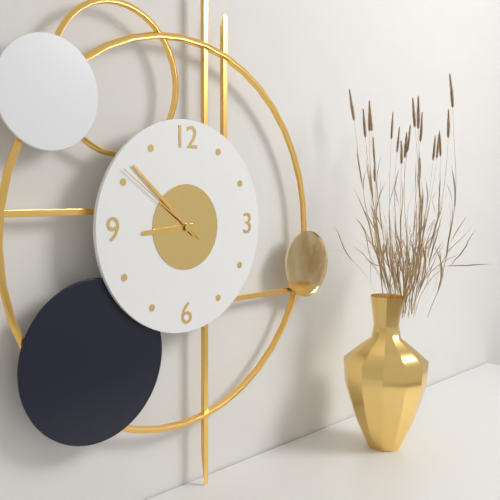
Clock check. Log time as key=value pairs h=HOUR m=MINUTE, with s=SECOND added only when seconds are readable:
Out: h=8 m=52 s=51
